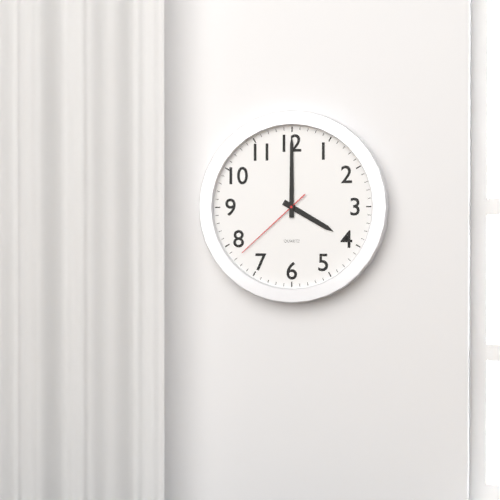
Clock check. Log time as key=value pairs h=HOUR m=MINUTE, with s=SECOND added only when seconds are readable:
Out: h=4 m=0 s=38
